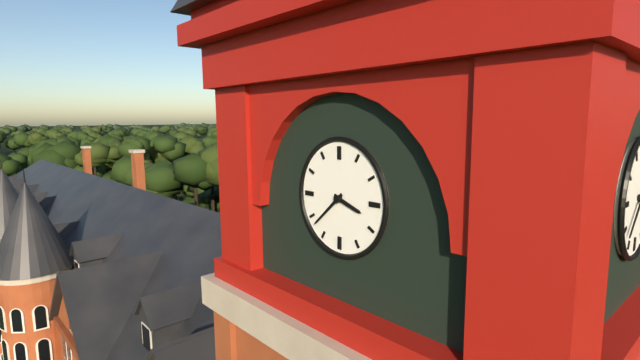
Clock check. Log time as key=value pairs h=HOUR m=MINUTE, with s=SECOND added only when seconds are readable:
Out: h=3 m=38
